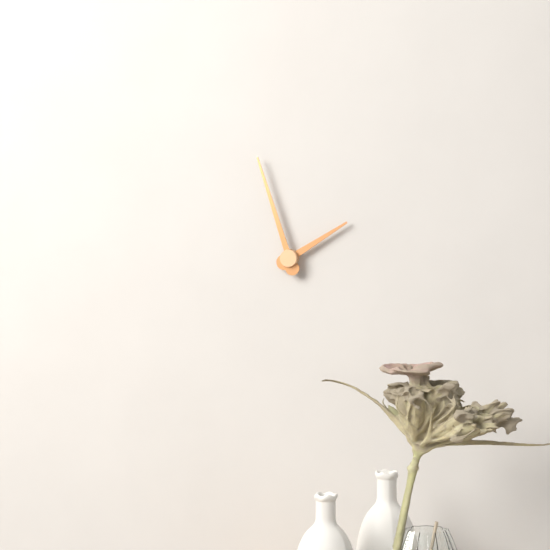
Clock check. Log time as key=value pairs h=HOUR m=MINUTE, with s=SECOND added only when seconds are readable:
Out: h=1 m=57
